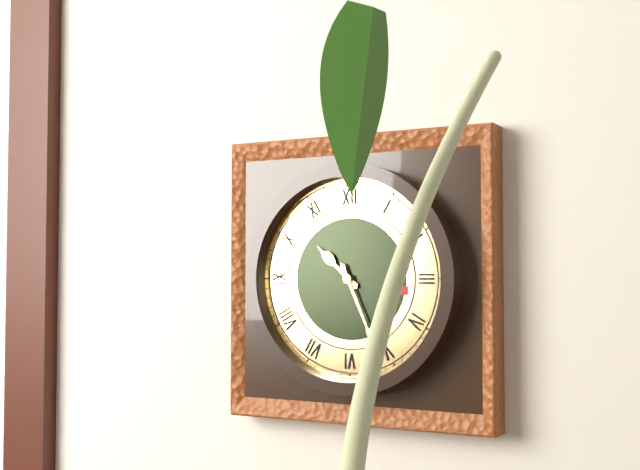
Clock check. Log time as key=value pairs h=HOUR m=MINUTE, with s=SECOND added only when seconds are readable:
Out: h=10 m=26
